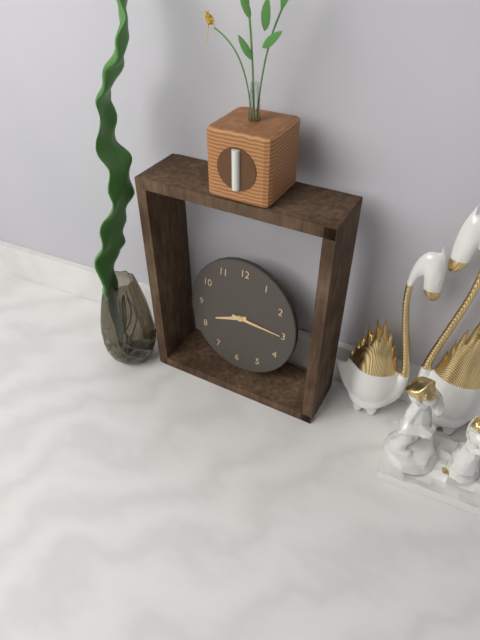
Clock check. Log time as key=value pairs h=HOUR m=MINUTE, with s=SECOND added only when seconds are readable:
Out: h=8 m=15
